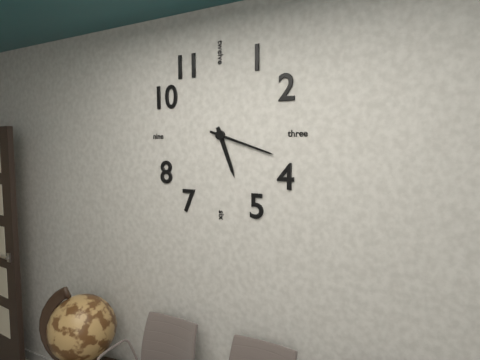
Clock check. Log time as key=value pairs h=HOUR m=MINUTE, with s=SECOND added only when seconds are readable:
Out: h=5 m=18
